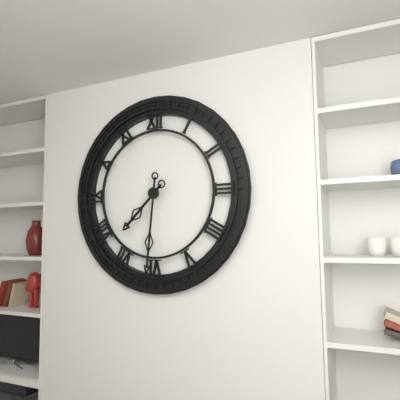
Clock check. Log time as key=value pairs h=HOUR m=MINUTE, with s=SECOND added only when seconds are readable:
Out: h=7 m=31
